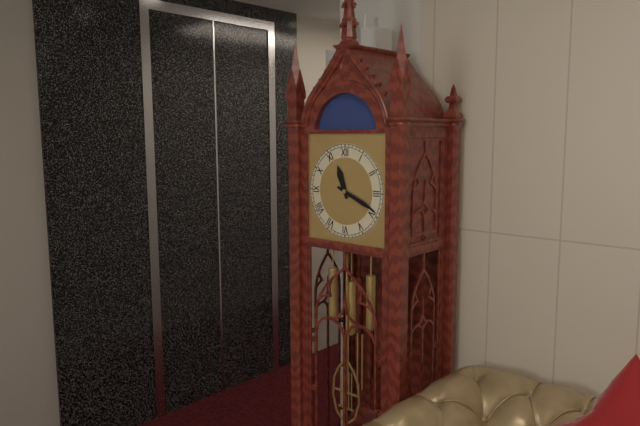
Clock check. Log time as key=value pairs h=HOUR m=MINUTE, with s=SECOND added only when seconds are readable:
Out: h=11 m=19
